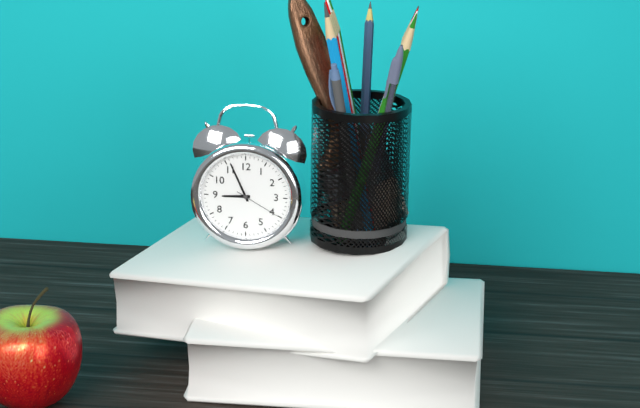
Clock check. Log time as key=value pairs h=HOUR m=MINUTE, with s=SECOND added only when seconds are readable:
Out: h=8 m=56
